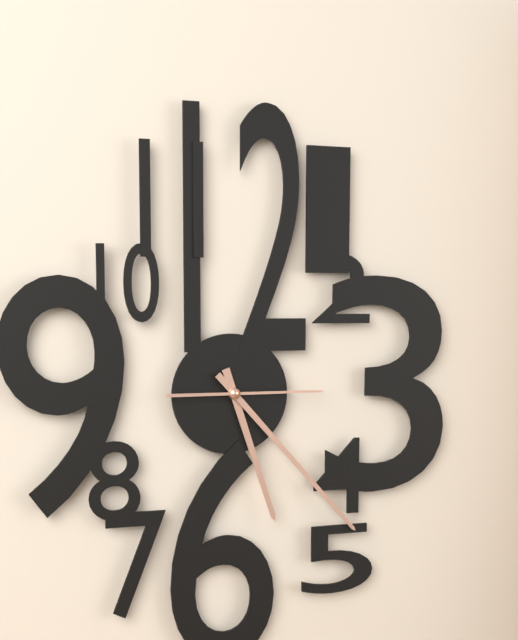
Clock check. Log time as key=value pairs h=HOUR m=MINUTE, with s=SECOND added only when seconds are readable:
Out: h=5 m=23 s=15
